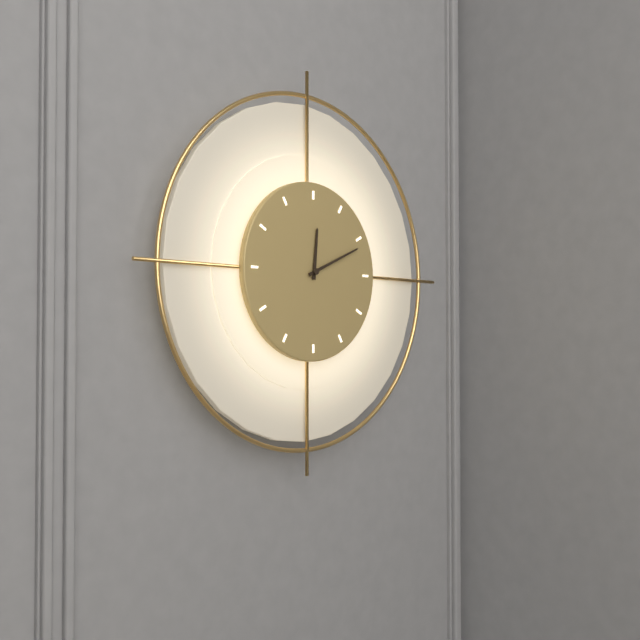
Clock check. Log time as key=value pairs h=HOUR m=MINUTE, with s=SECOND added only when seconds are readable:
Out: h=12 m=11
